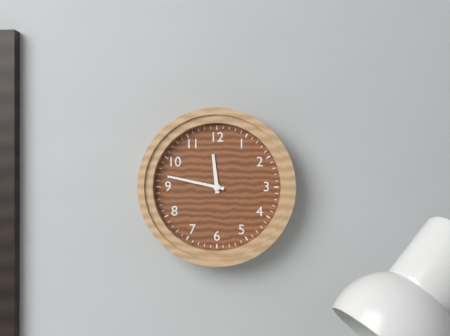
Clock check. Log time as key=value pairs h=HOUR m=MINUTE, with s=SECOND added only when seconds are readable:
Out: h=11 m=47
